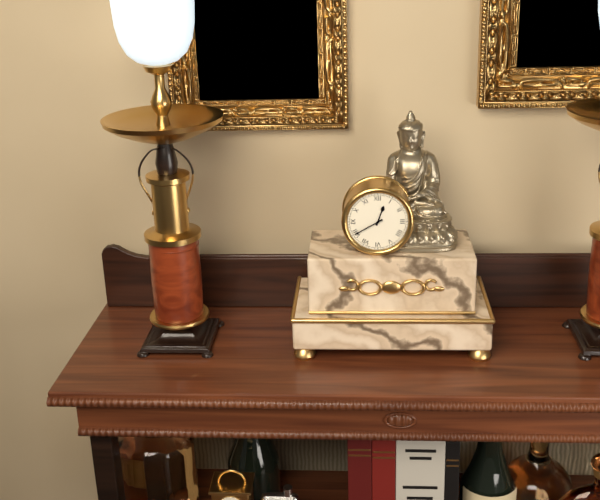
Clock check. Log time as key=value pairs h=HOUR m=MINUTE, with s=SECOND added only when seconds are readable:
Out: h=12 m=40
